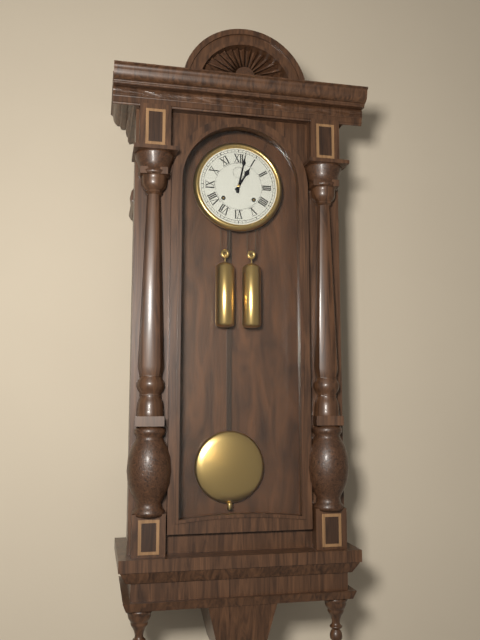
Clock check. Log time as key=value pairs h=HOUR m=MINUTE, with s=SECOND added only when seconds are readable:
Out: h=1 m=2
